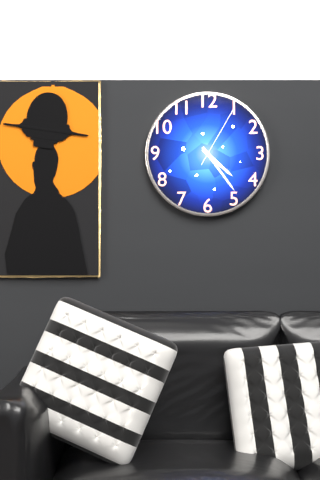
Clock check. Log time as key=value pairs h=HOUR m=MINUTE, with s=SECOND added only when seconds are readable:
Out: h=4 m=24 s=5
